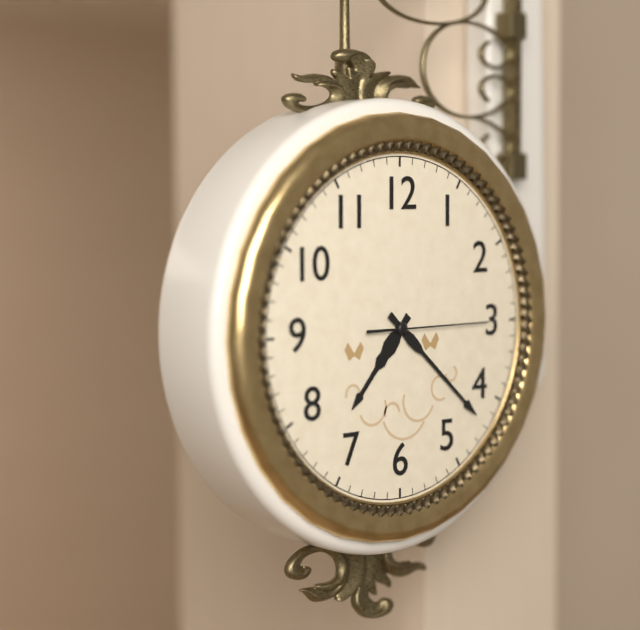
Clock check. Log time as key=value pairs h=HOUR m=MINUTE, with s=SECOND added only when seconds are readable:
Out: h=7 m=22 s=15
